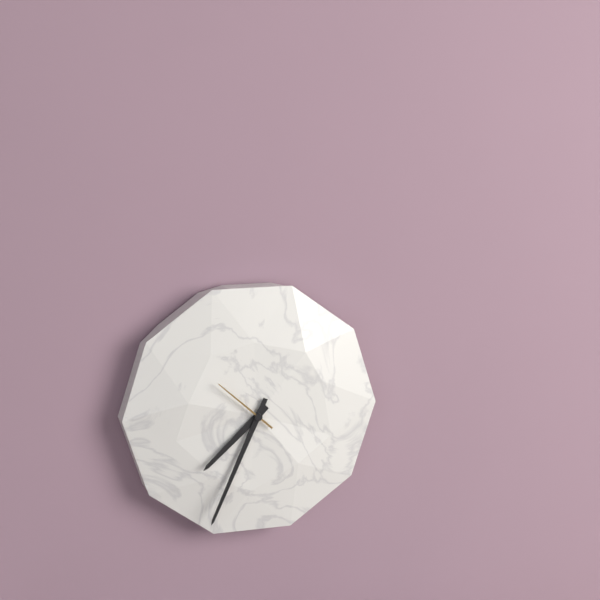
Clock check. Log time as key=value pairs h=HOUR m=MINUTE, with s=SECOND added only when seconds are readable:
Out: h=7 m=34 s=52
